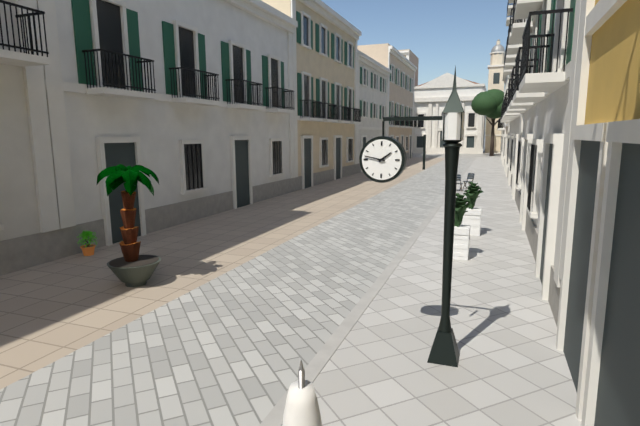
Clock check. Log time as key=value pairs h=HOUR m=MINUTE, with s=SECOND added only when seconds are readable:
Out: h=1 m=47
